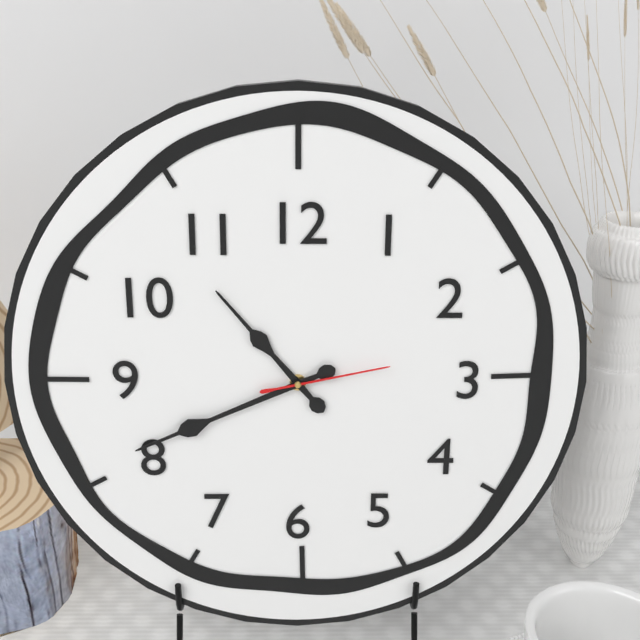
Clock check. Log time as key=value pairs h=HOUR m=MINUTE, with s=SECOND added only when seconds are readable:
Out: h=10 m=41 s=13
